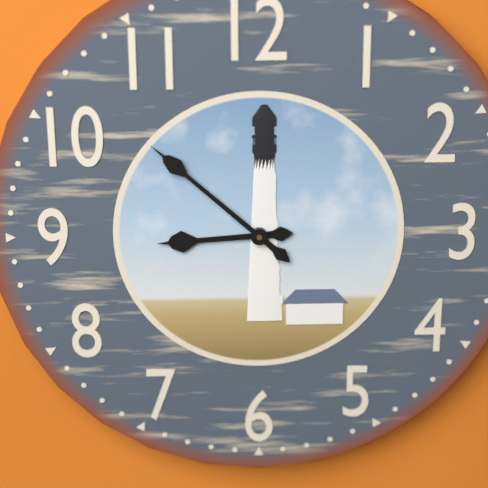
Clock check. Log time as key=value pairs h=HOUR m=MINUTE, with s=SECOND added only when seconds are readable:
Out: h=8 m=52
